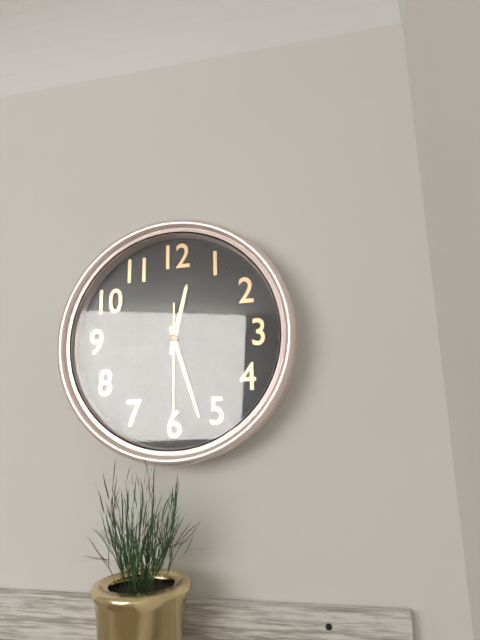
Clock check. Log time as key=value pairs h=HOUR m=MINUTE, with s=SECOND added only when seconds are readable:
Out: h=12 m=27 s=30
